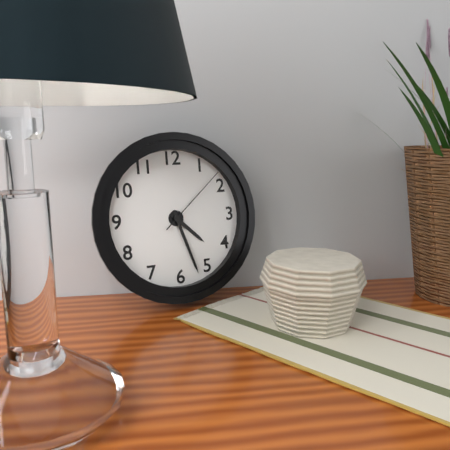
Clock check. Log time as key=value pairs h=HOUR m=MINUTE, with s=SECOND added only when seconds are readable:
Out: h=4 m=27 s=8
